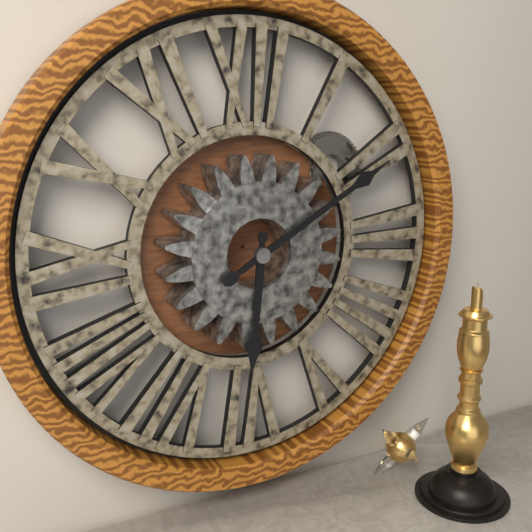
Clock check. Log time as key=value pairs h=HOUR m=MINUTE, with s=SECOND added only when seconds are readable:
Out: h=6 m=10
